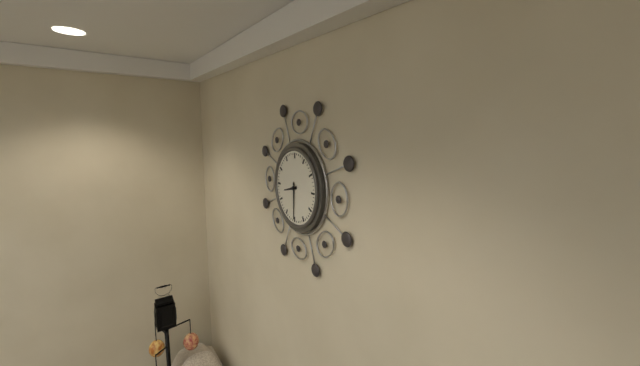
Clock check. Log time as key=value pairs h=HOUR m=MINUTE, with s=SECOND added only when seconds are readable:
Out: h=8 m=30
